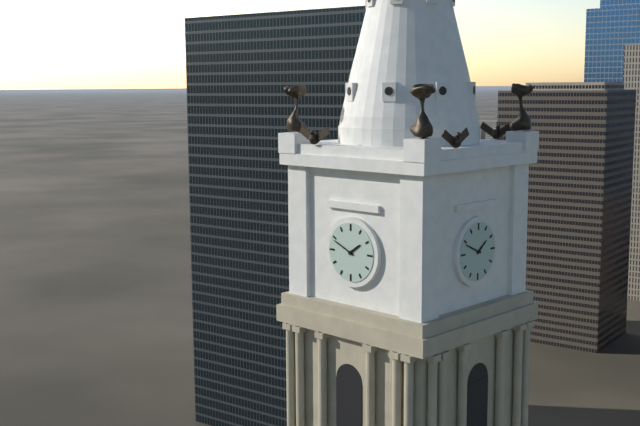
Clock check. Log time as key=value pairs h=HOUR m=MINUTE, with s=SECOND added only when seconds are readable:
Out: h=1 m=49
